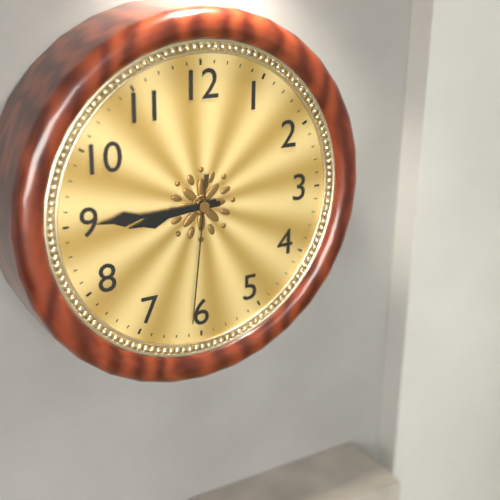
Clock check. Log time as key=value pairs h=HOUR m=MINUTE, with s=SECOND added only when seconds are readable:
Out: h=8 m=45 s=31
